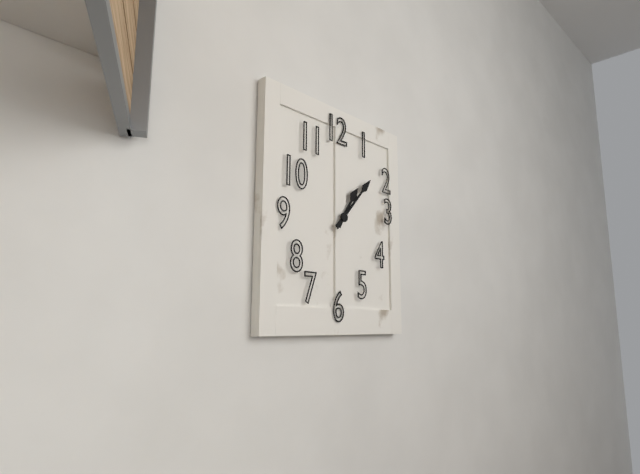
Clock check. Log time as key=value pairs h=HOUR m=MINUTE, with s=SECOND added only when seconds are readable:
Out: h=1 m=7
